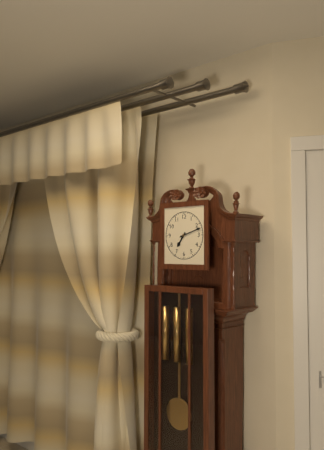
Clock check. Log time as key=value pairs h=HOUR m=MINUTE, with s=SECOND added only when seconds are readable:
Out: h=7 m=12
